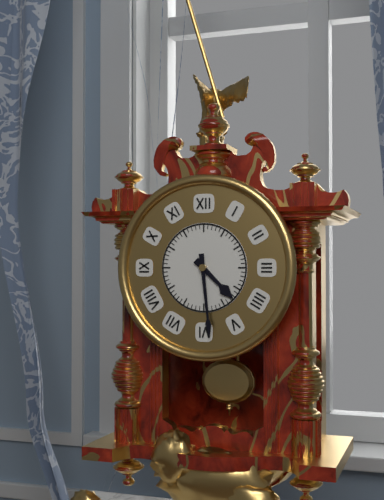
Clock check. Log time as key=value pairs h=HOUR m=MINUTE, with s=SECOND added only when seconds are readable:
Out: h=4 m=29
